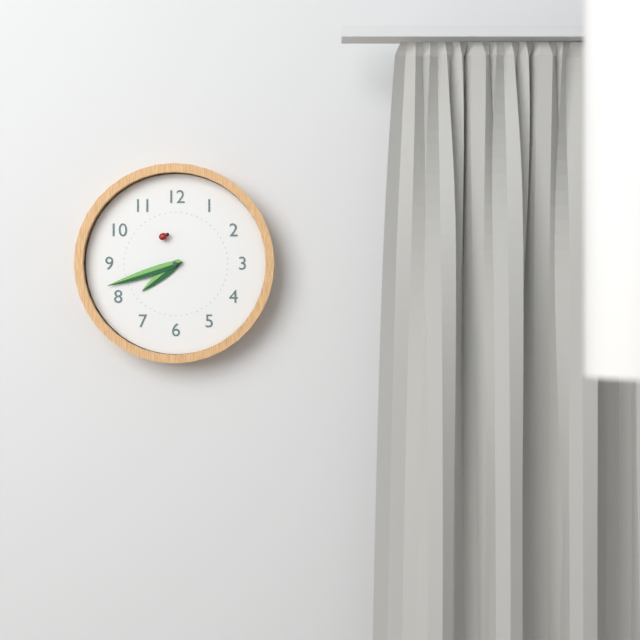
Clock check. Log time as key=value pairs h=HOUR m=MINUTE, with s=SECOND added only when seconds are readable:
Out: h=7 m=42
